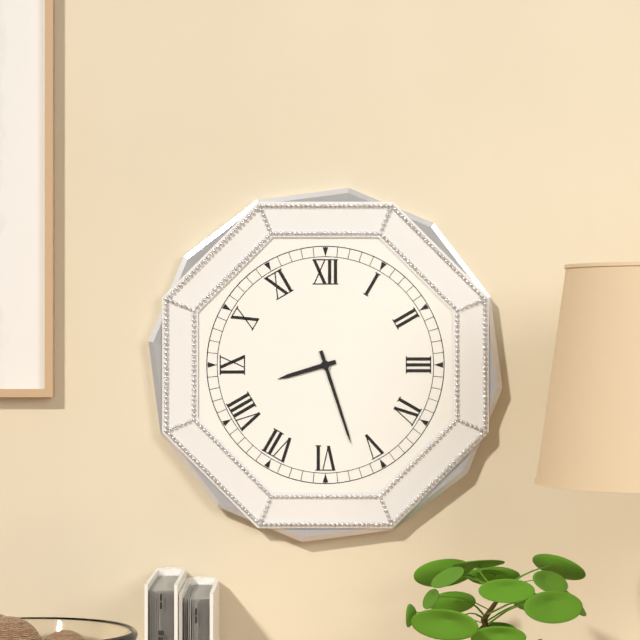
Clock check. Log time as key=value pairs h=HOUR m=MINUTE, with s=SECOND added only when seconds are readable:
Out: h=8 m=27
